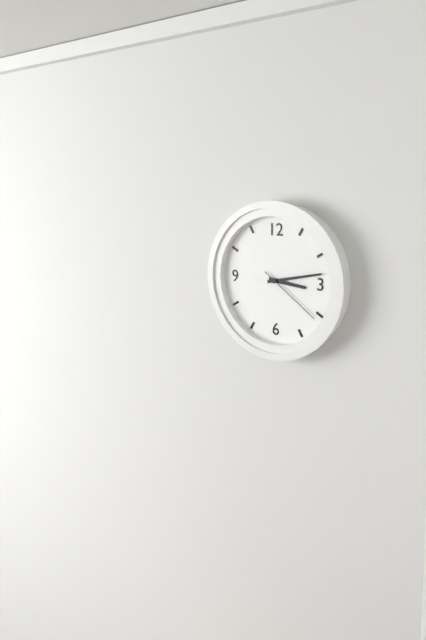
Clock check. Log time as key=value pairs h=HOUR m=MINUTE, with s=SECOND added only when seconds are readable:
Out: h=3 m=13 s=21
